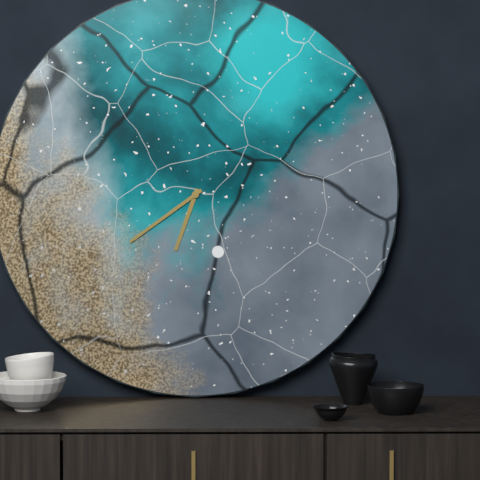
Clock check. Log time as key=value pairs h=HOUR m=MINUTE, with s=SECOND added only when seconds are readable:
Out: h=6 m=39
